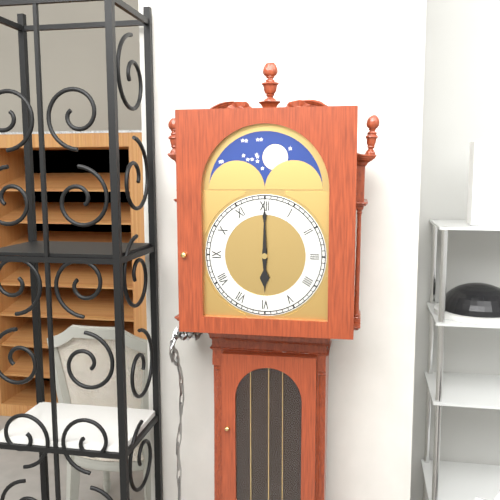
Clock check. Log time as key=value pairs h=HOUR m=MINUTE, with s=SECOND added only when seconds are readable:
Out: h=6 m=0
